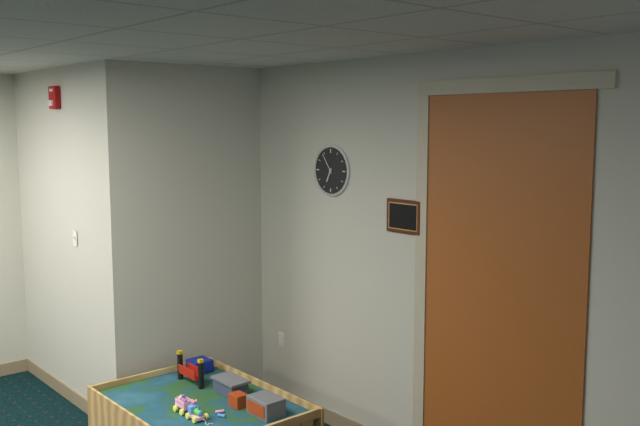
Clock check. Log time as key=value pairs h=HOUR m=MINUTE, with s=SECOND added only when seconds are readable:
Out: h=6 m=54
